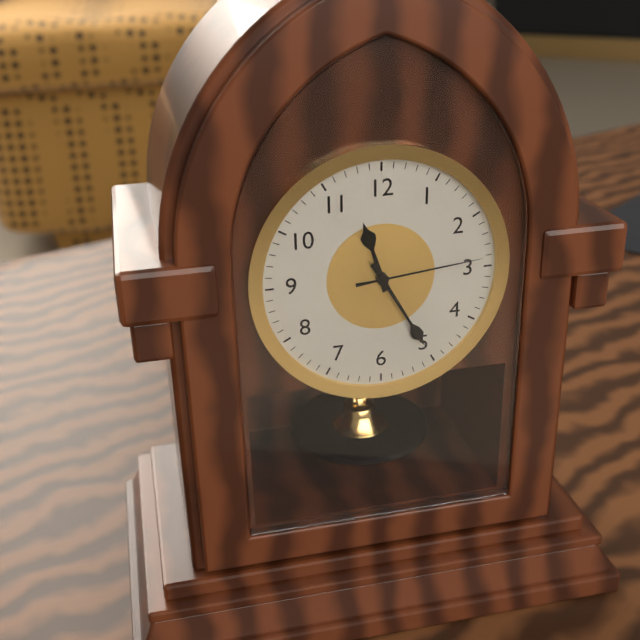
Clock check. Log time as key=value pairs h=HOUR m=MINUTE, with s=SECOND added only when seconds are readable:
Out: h=11 m=25 s=14
